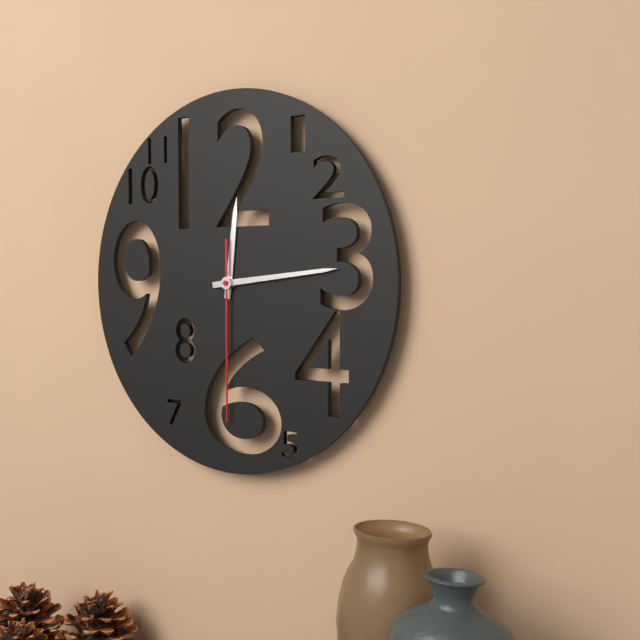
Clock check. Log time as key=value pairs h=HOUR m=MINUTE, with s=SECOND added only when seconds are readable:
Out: h=12 m=14 s=30
